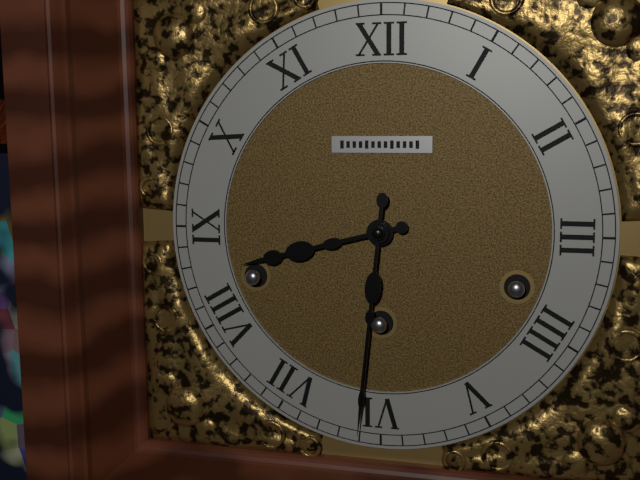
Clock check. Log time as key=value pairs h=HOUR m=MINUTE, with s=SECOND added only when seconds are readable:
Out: h=8 m=31
